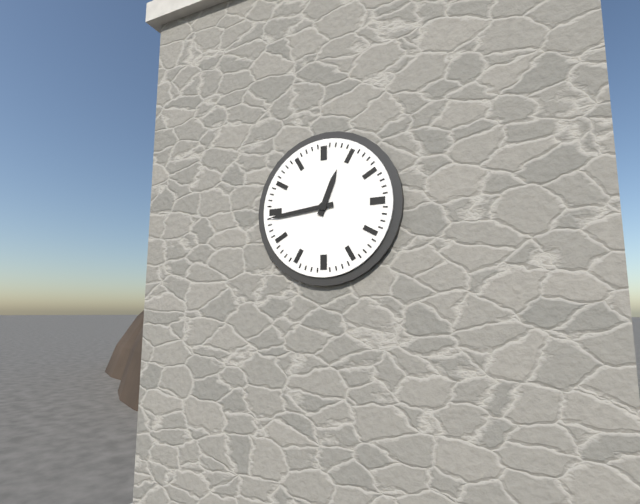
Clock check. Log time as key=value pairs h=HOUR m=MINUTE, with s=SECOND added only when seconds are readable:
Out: h=12 m=44
